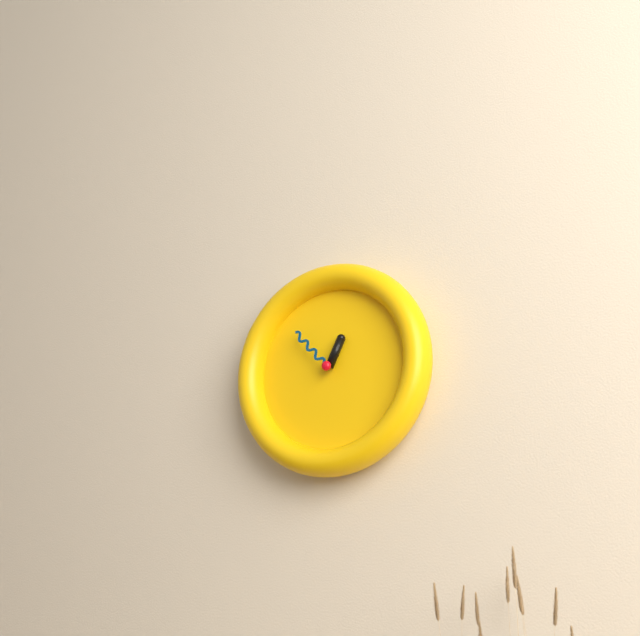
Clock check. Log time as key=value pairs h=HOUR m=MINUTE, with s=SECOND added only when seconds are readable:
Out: h=12 m=53
